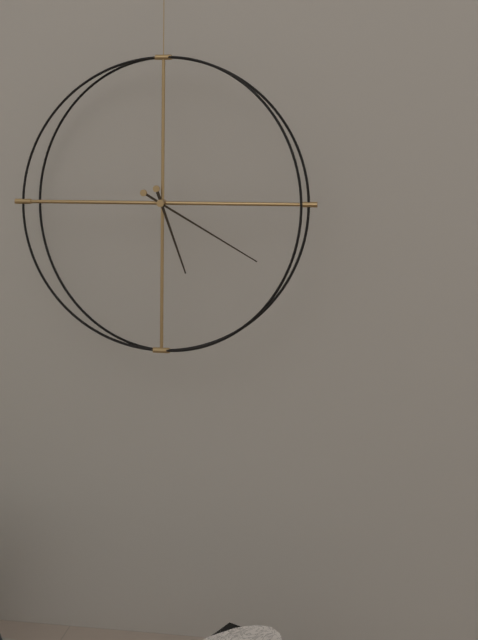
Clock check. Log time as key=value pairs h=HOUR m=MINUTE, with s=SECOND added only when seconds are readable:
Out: h=5 m=20
